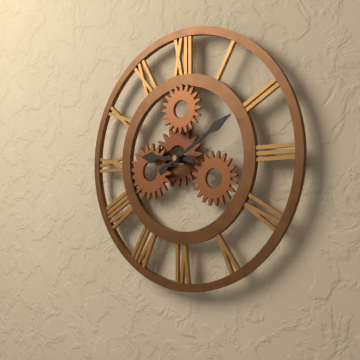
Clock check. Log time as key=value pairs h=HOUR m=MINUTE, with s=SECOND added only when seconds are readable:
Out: h=9 m=10
